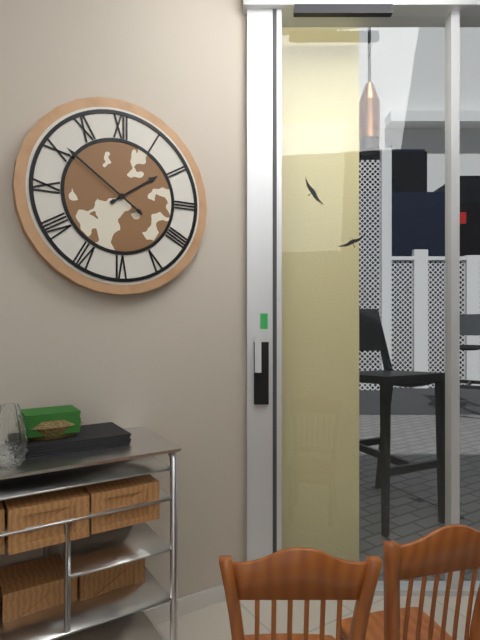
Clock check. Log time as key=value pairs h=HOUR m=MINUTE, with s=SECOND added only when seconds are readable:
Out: h=1 m=51
